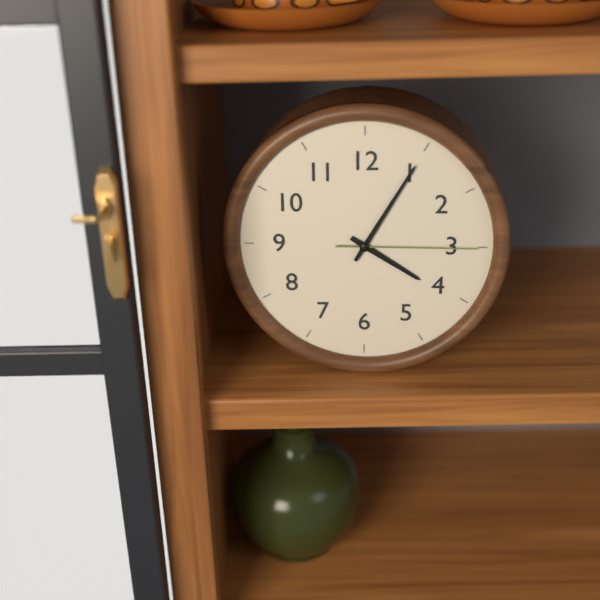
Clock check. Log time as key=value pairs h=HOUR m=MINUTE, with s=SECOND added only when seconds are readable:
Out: h=4 m=5 s=15
